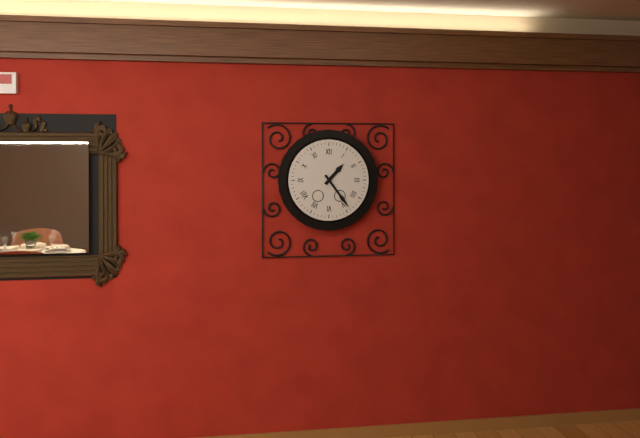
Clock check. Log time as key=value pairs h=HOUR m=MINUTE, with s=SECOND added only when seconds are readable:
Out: h=1 m=24
